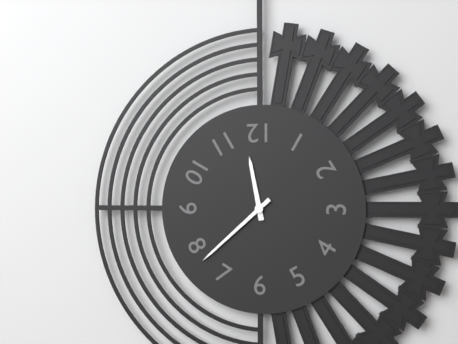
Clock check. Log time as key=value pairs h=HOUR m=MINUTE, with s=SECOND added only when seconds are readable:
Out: h=11 m=38
